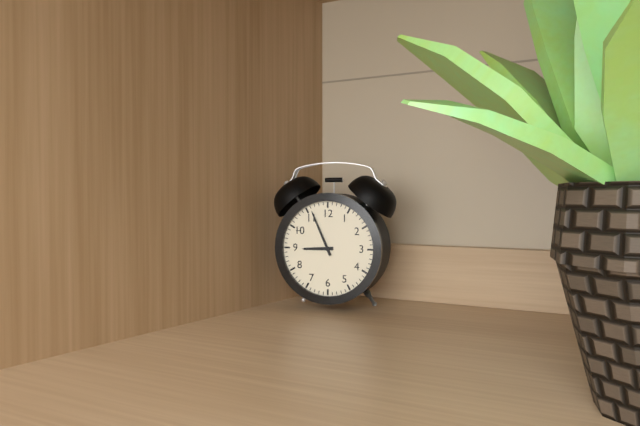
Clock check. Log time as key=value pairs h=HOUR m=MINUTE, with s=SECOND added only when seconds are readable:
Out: h=8 m=56
